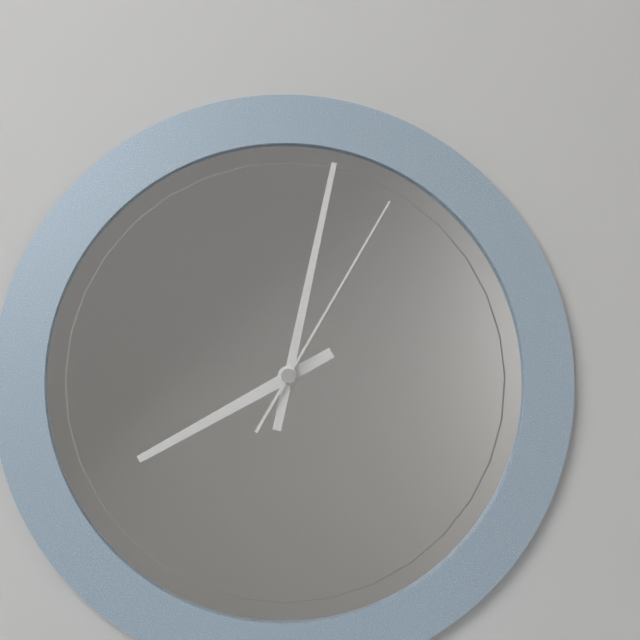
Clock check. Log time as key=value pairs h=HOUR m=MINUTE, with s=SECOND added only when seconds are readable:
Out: h=8 m=2 s=5
